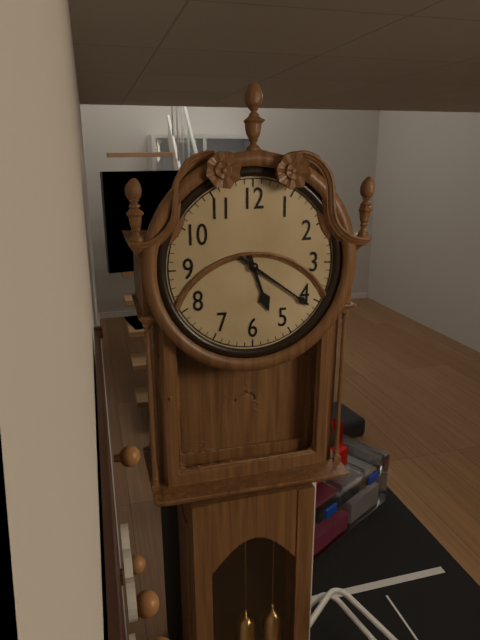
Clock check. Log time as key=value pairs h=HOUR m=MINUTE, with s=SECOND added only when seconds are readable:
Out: h=5 m=21
